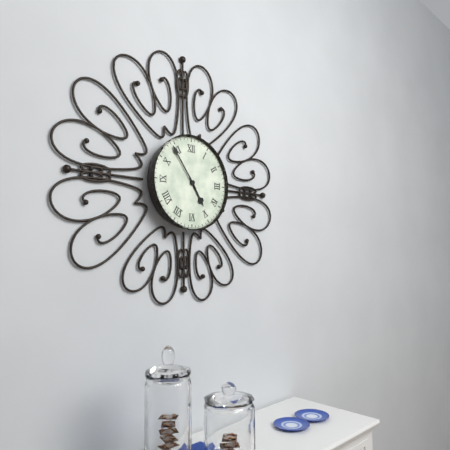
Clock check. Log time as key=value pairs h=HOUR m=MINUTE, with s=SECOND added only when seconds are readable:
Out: h=4 m=54
